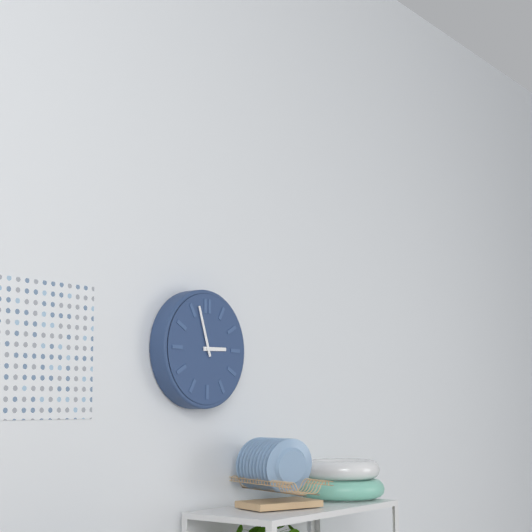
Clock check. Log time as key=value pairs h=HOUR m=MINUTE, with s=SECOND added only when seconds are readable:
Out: h=2 m=57
